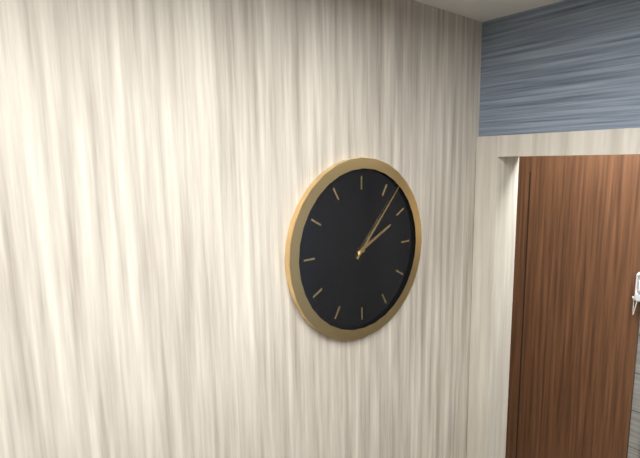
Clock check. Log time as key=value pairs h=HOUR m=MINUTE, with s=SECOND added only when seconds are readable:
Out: h=2 m=7
